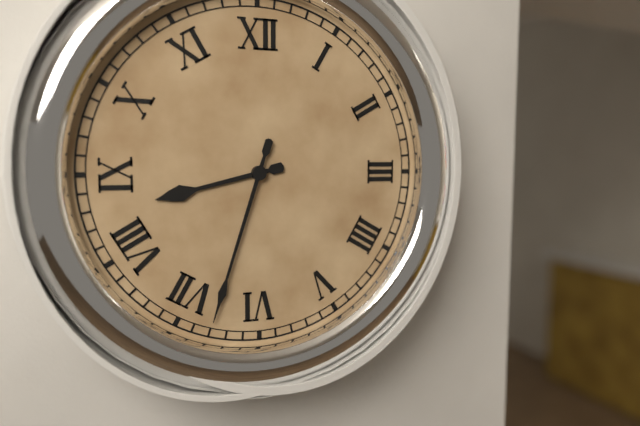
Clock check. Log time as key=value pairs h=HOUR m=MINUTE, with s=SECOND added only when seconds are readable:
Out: h=8 m=33
